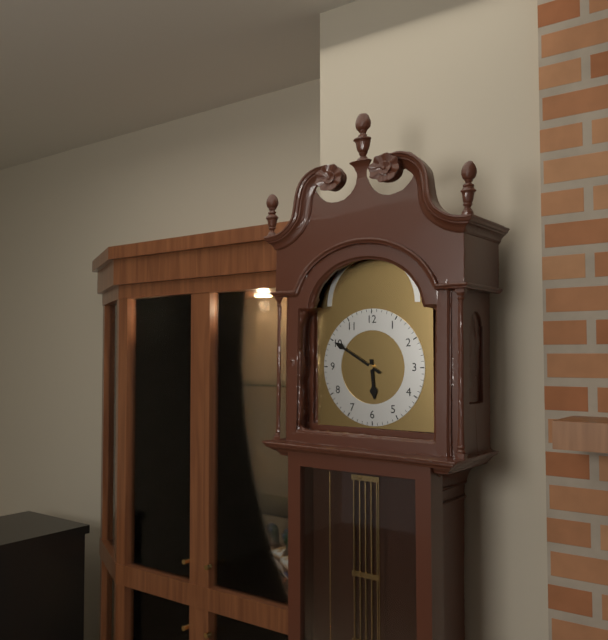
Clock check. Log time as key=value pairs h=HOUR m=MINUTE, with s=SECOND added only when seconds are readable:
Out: h=5 m=50
